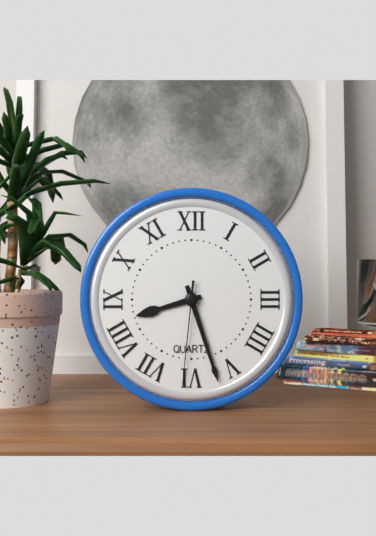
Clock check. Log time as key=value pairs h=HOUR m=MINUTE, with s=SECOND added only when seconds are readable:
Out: h=8 m=27 s=31
